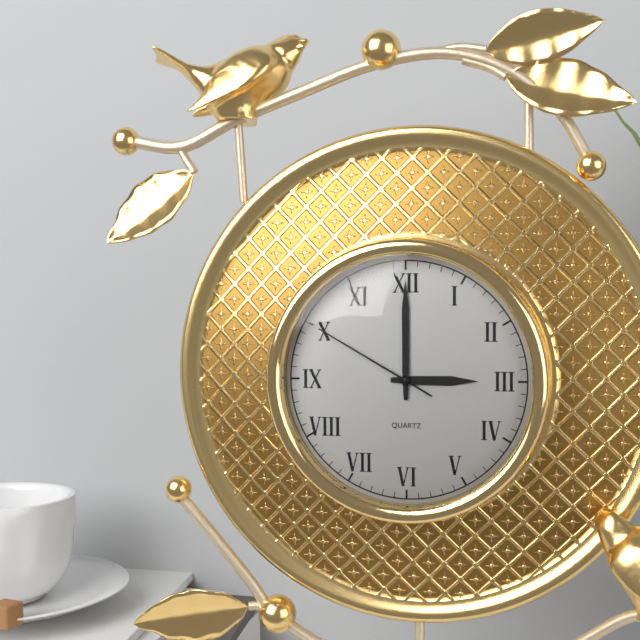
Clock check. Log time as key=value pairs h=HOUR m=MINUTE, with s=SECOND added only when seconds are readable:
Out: h=3 m=0 s=50
